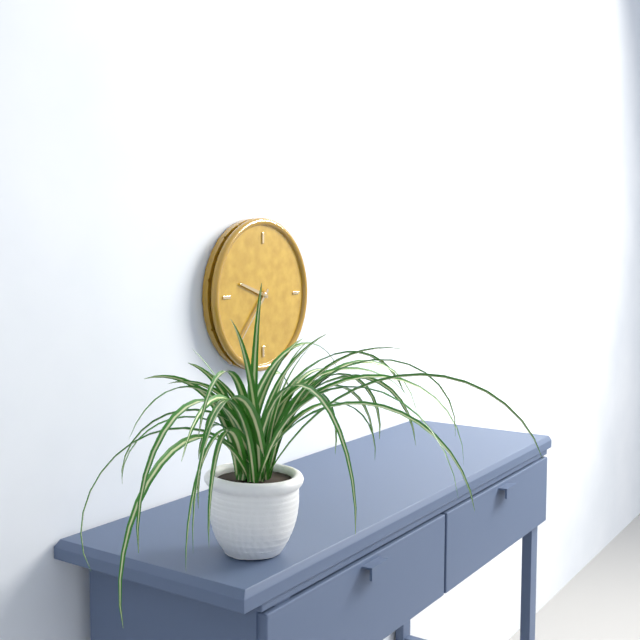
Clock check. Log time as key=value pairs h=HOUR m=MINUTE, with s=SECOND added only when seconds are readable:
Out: h=9 m=37
